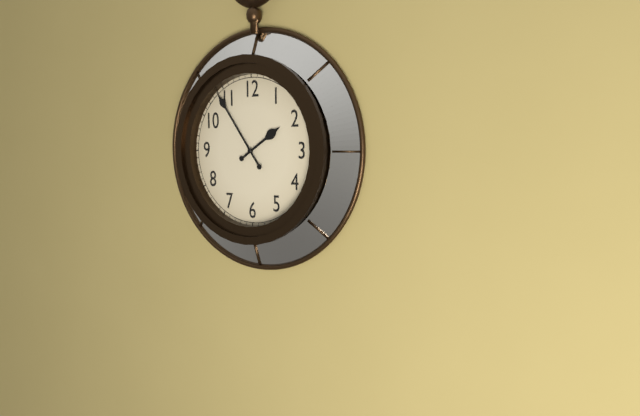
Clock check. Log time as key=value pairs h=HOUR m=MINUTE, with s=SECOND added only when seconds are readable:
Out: h=1 m=54
